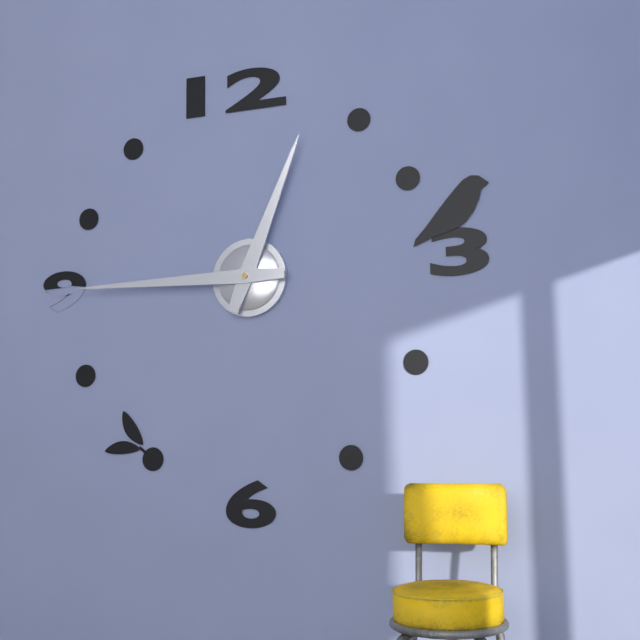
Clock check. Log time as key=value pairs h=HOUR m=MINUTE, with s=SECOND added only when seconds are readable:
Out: h=12 m=45
